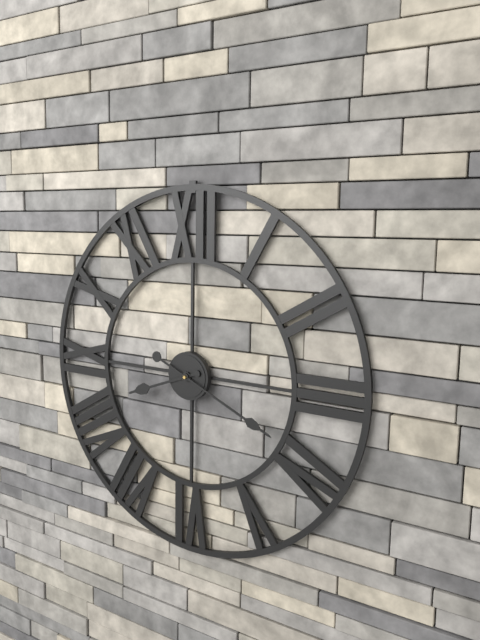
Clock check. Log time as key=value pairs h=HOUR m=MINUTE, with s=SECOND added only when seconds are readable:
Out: h=8 m=19
